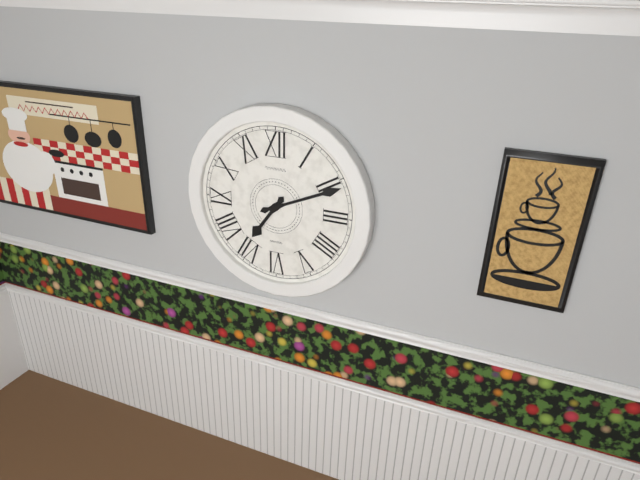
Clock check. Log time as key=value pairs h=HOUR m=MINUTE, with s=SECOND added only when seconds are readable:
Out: h=7 m=11
